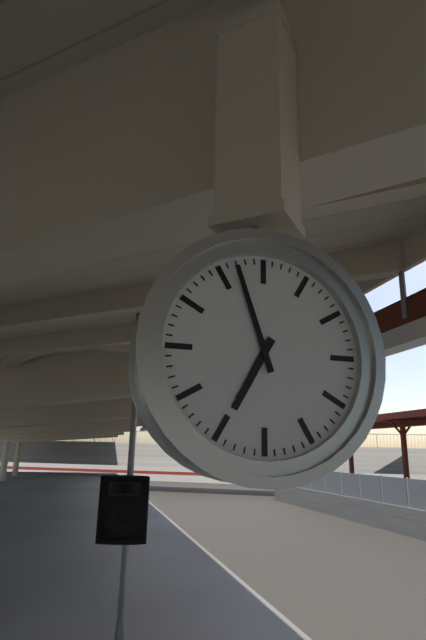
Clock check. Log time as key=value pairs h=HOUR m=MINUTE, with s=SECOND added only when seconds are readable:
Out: h=6 m=57
